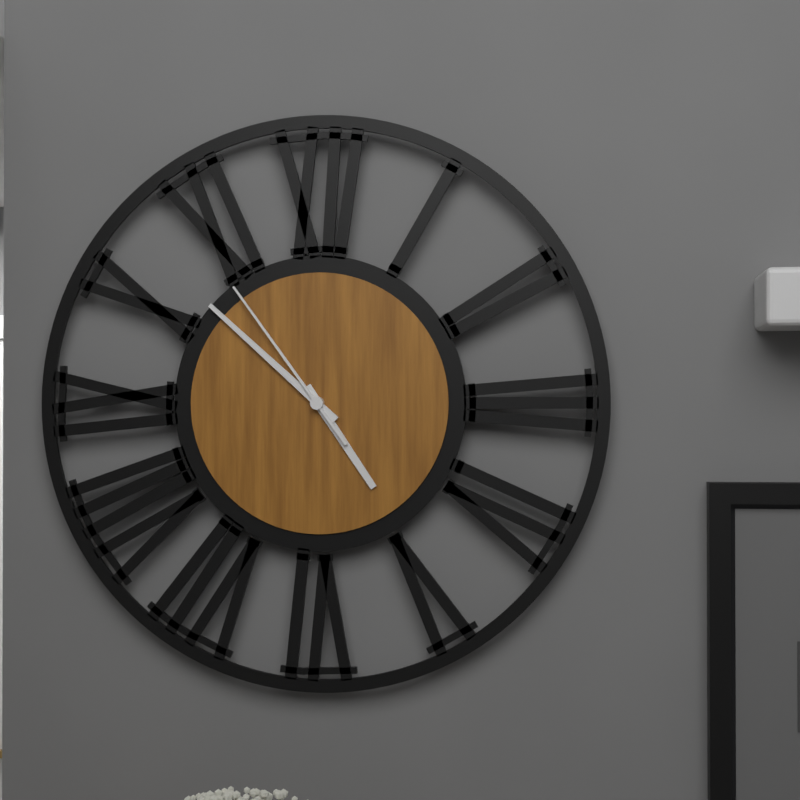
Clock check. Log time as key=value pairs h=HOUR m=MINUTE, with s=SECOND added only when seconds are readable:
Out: h=4 m=52 s=54
